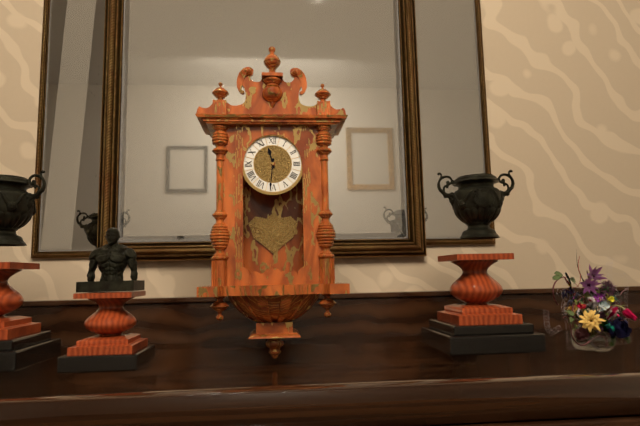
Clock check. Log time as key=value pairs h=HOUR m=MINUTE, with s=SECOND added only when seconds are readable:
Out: h=11 m=31
